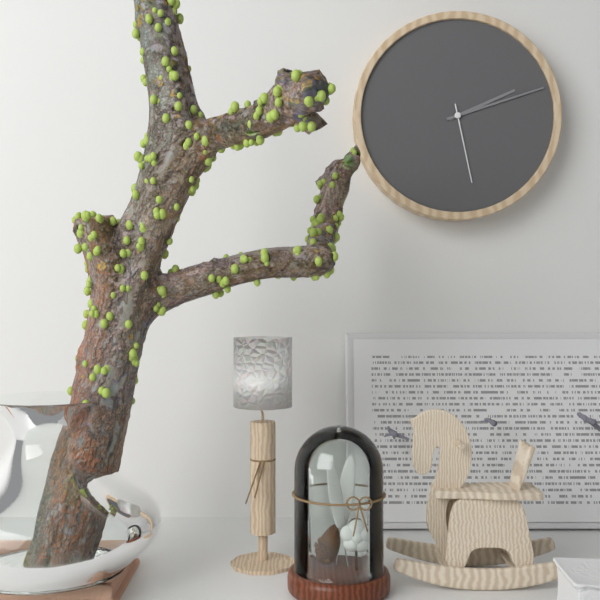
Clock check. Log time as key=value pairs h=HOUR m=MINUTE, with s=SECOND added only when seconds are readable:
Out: h=2 m=12 s=28
